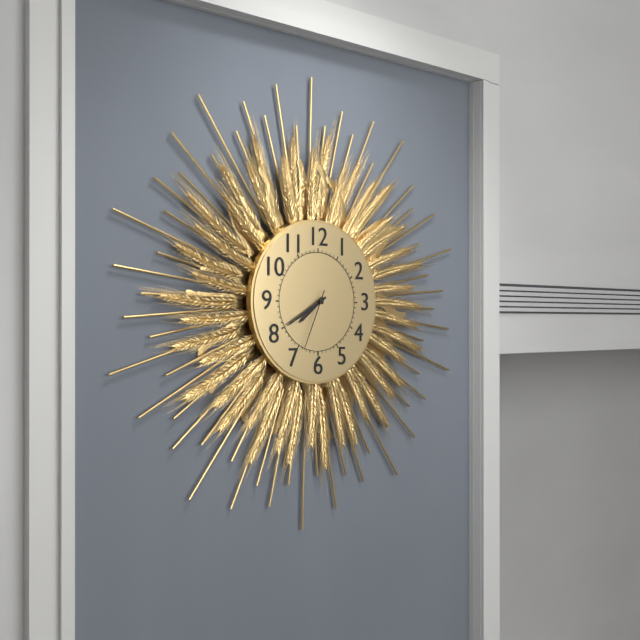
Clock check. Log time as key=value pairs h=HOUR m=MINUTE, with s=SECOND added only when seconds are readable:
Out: h=7 m=40 s=34
